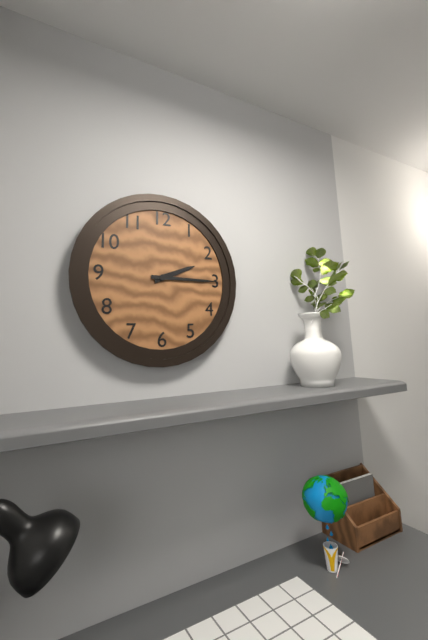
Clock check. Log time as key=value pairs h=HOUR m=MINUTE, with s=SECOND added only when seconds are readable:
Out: h=2 m=15
